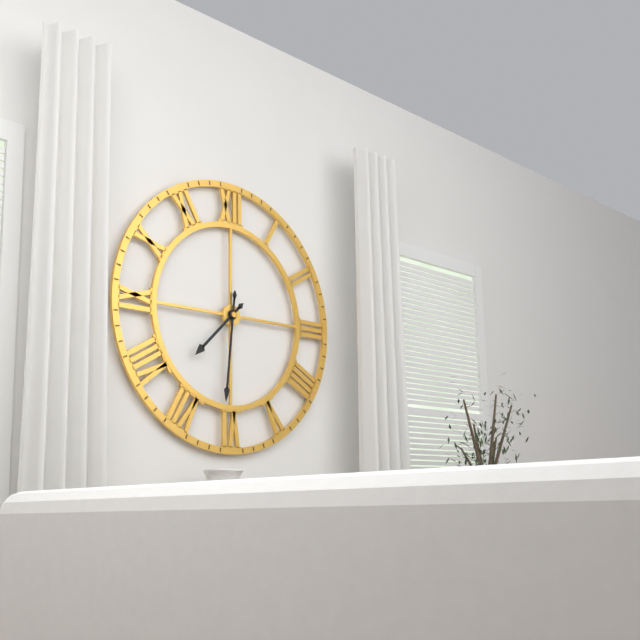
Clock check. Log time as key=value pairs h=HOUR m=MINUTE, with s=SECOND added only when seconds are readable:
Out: h=7 m=31
